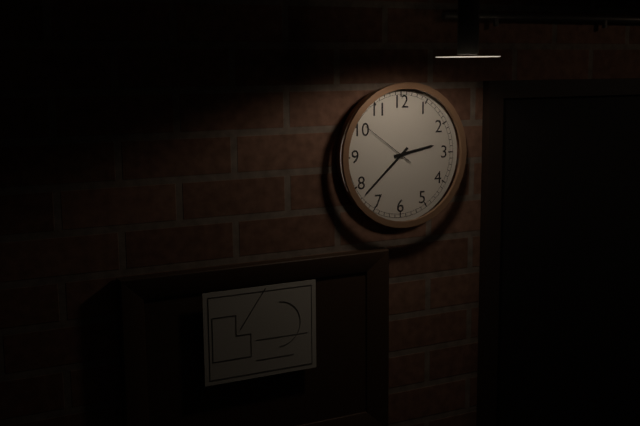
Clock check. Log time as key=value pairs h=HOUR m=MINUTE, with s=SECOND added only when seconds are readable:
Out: h=2 m=38 s=51
